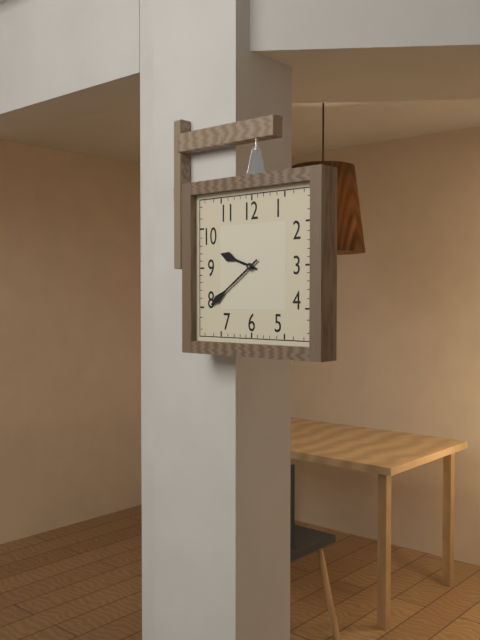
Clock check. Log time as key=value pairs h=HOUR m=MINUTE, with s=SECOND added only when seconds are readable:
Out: h=9 m=39
